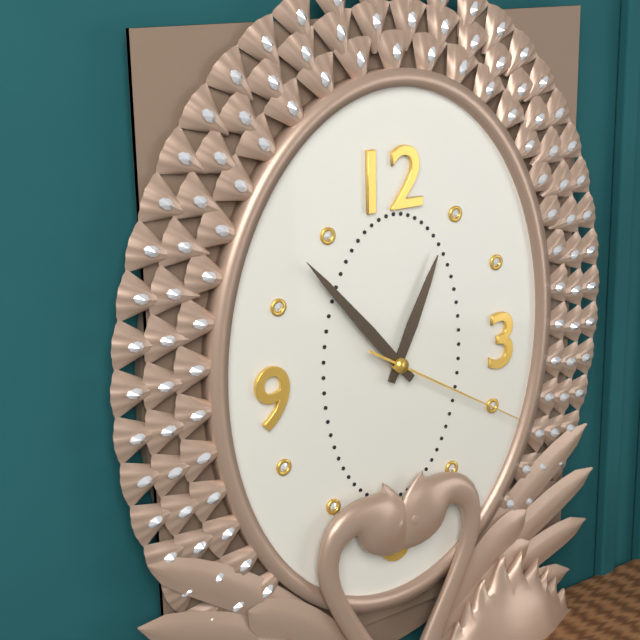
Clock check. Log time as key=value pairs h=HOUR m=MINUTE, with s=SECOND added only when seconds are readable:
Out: h=12 m=53 s=20
